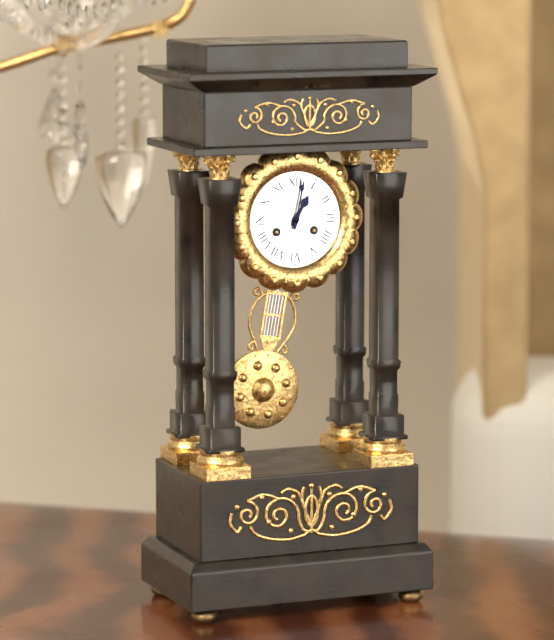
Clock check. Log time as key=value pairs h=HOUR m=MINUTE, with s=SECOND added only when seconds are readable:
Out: h=1 m=2
